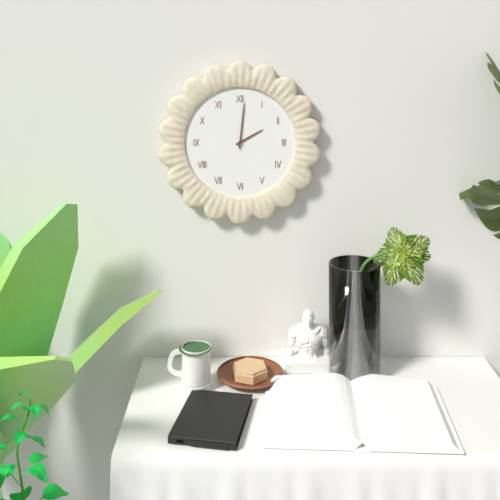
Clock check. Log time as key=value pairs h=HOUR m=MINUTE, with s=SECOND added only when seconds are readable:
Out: h=2 m=1
